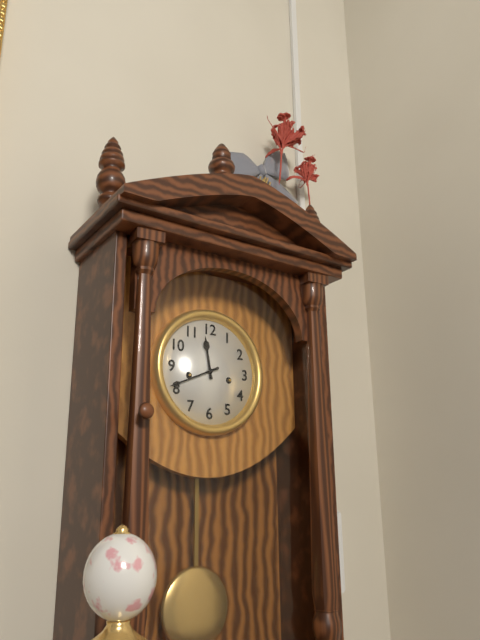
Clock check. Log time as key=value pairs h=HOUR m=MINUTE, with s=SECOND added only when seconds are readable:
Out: h=11 m=41
